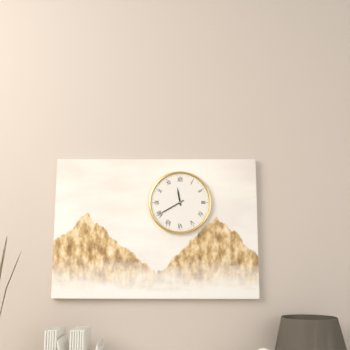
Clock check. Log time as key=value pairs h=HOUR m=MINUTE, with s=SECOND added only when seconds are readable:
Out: h=11 m=40
